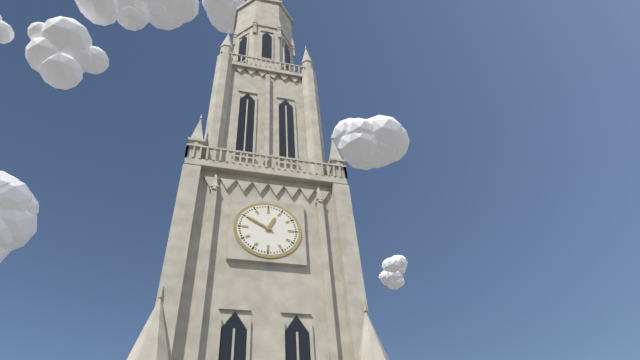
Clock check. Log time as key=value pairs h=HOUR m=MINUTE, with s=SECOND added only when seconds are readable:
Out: h=12 m=50
